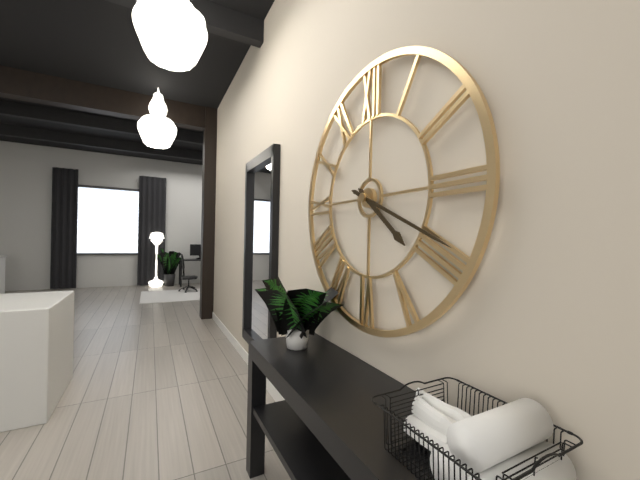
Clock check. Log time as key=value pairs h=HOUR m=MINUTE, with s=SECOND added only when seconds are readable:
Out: h=4 m=19
